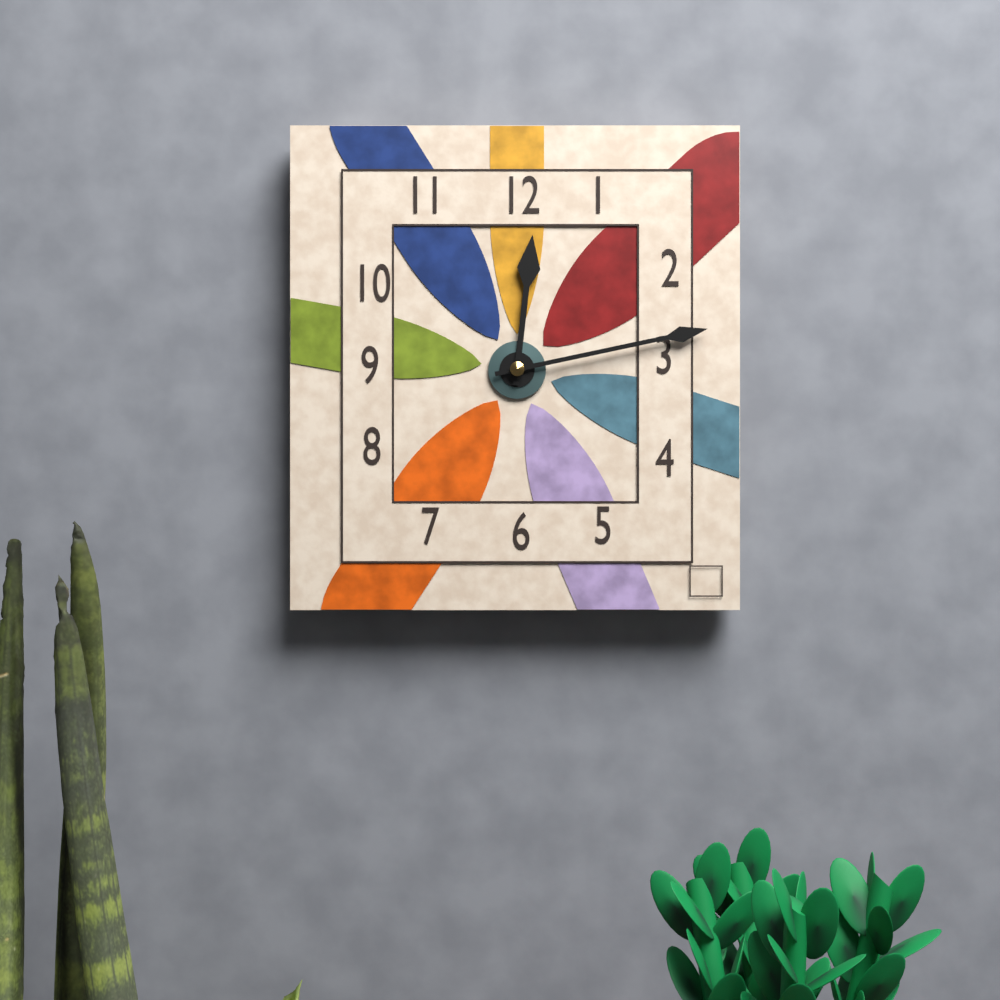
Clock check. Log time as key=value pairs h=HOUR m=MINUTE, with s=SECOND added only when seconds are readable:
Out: h=12 m=13
